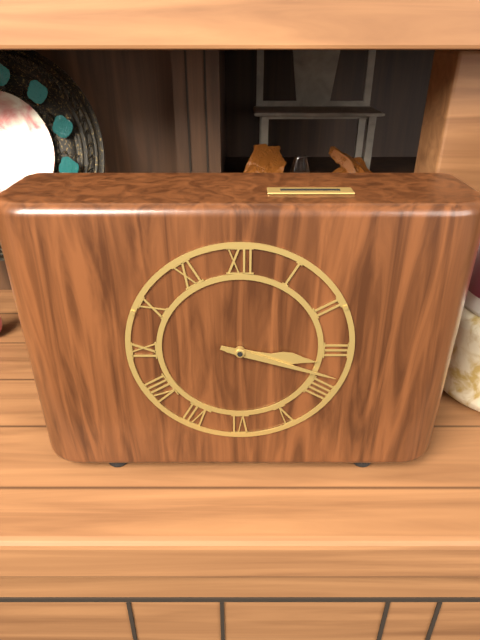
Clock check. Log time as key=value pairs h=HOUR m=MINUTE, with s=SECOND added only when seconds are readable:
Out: h=3 m=18
